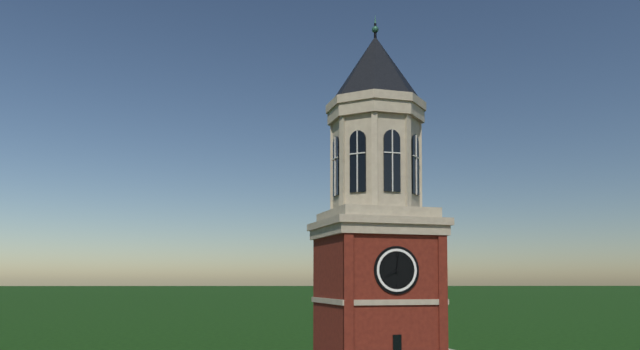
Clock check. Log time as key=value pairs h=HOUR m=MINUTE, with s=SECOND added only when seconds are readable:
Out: h=8 m=1
